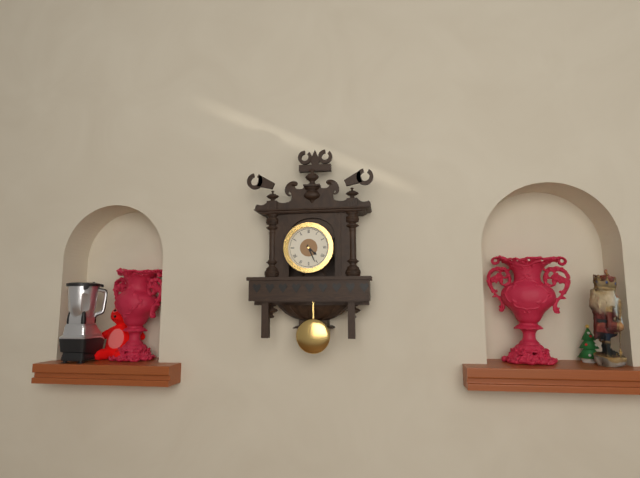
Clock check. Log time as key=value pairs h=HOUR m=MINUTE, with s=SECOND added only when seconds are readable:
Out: h=4 m=26
